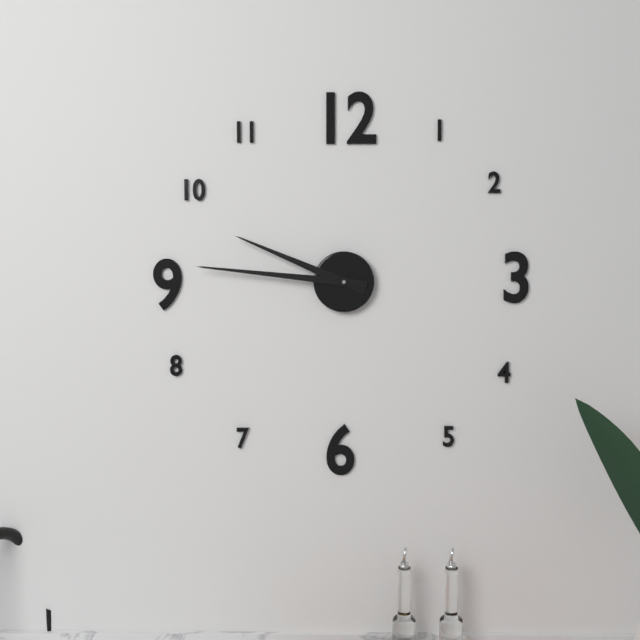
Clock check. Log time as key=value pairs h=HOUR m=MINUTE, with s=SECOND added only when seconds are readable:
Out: h=9 m=46
